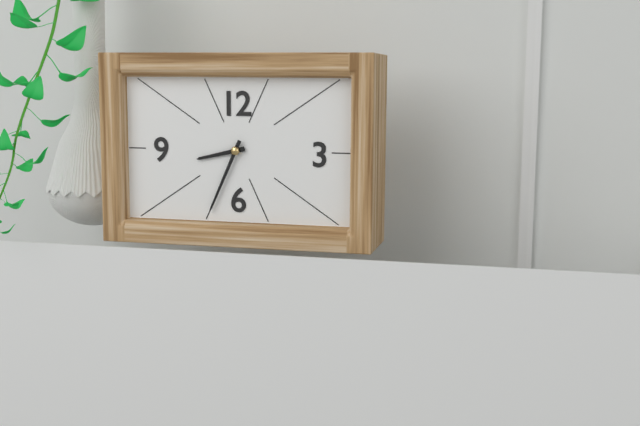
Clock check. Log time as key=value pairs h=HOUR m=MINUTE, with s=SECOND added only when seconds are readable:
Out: h=8 m=34
